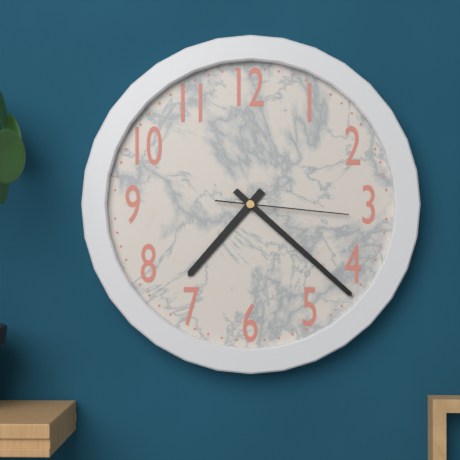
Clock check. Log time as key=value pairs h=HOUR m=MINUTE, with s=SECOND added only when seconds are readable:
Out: h=7 m=22 s=16
